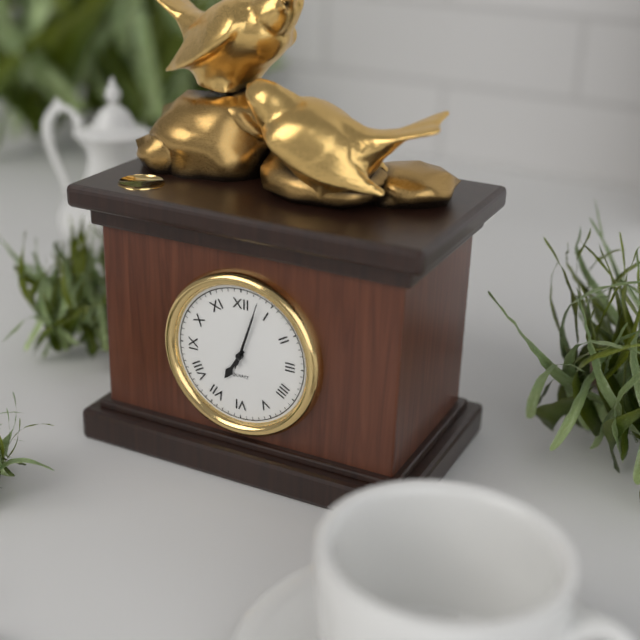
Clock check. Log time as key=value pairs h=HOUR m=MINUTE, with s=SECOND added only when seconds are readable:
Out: h=7 m=3 s=3
